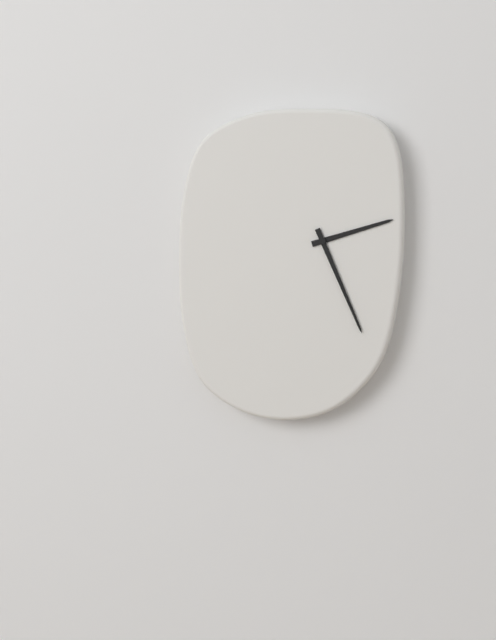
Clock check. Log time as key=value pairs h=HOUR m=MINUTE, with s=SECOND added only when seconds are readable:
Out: h=2 m=26
